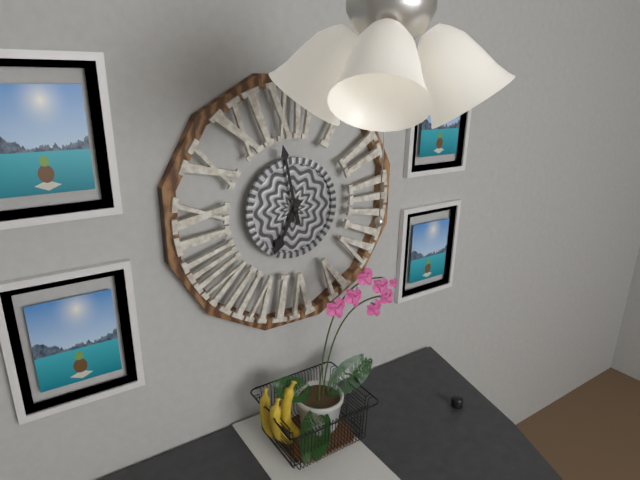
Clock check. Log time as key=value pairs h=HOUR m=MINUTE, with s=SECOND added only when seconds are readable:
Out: h=6 m=58
